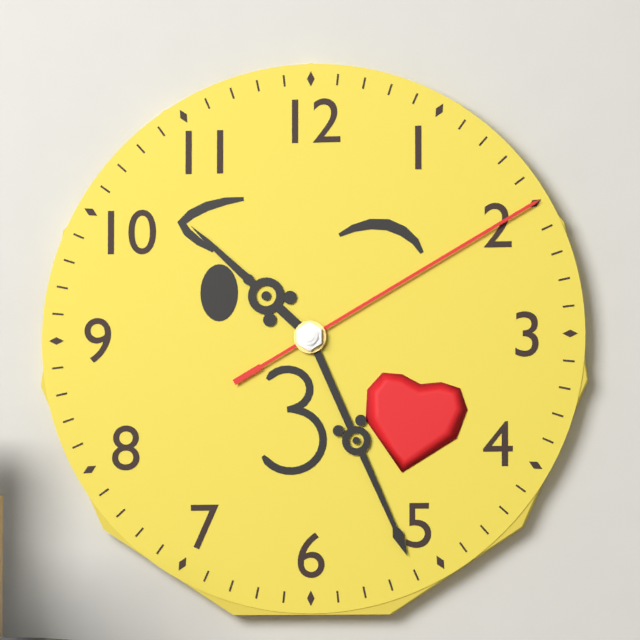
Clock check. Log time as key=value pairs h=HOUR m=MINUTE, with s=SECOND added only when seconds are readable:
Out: h=10 m=26 s=10
